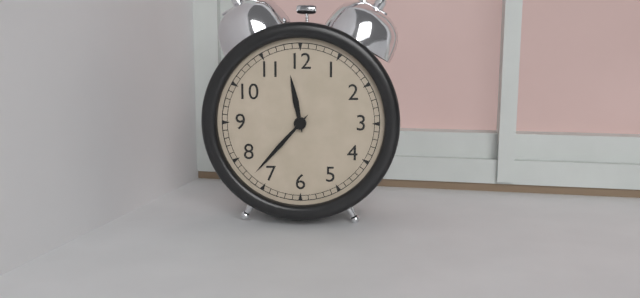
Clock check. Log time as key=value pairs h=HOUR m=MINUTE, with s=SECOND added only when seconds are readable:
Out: h=11 m=37
